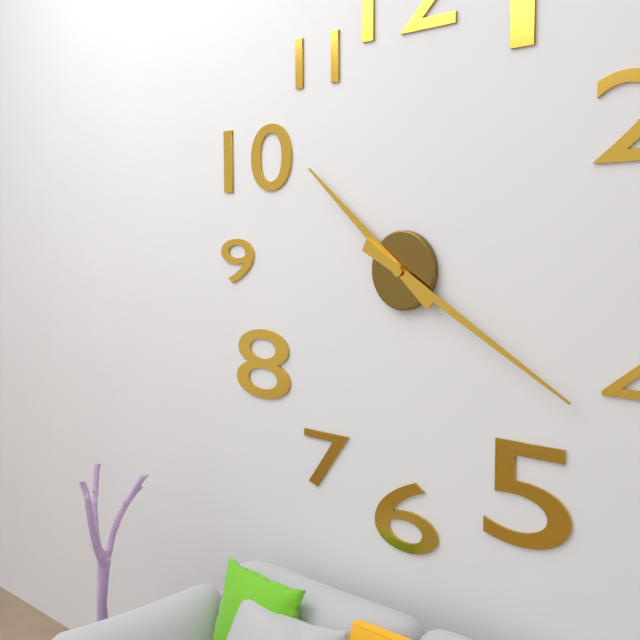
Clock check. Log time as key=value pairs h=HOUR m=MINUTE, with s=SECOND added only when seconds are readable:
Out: h=10 m=20
